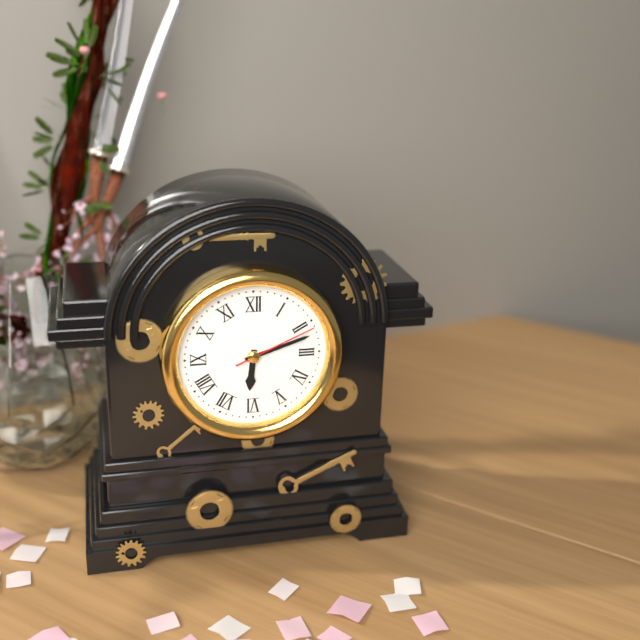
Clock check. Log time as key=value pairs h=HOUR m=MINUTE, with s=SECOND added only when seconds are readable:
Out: h=6 m=12 s=11
